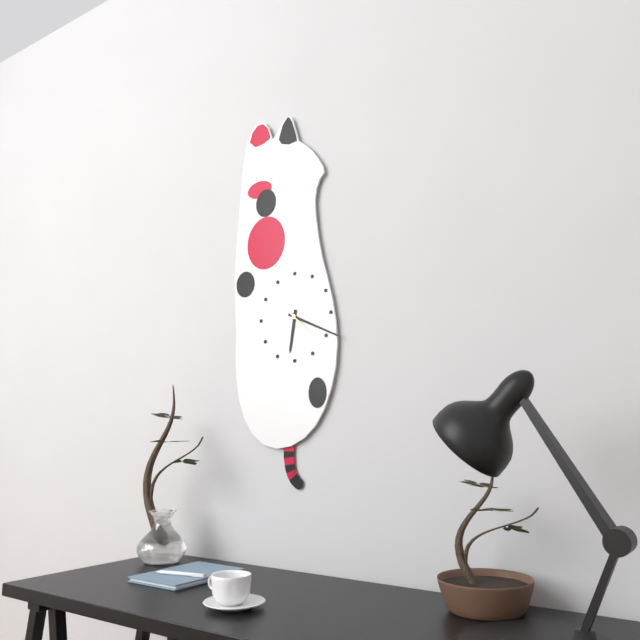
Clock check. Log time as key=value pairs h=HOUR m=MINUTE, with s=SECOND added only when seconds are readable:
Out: h=6 m=19
